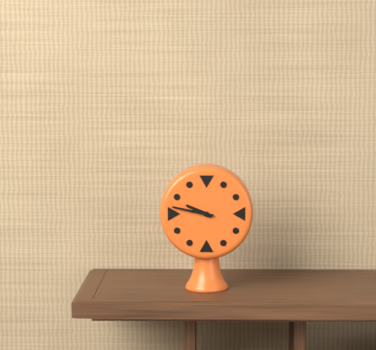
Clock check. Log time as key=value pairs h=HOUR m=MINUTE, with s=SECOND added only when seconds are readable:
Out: h=9 m=47
